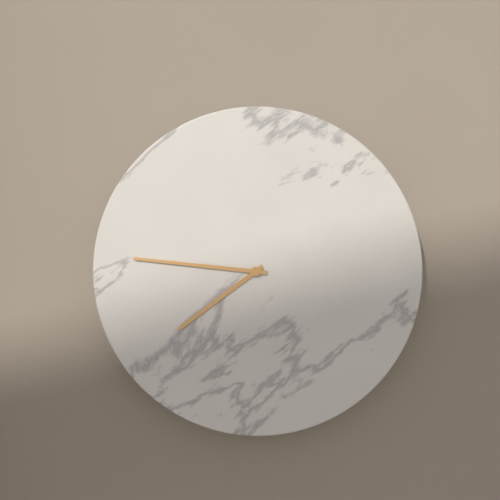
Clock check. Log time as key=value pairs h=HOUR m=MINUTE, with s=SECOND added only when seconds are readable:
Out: h=7 m=46
